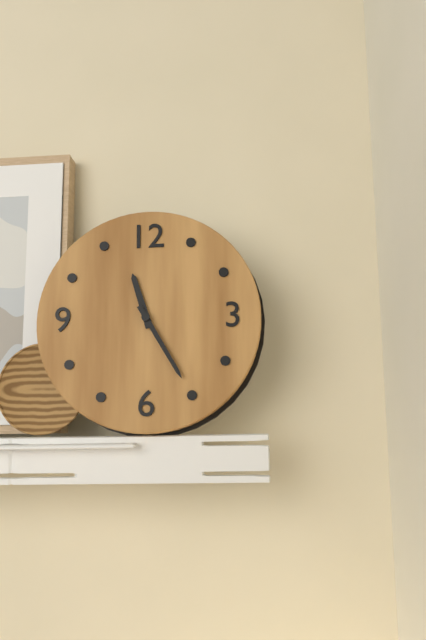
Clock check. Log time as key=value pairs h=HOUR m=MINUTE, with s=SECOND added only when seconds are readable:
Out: h=11 m=25
